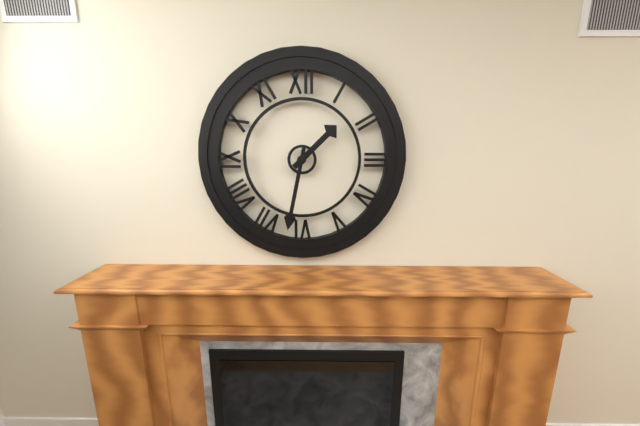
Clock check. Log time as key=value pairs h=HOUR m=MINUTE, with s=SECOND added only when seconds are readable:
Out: h=1 m=32
